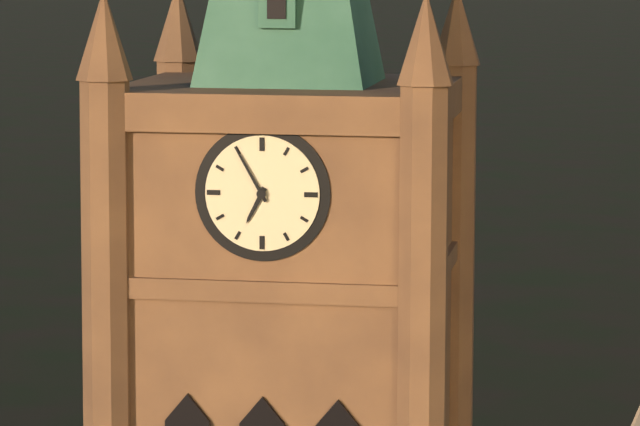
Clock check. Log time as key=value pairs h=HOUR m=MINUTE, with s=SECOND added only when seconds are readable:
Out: h=6 m=55
